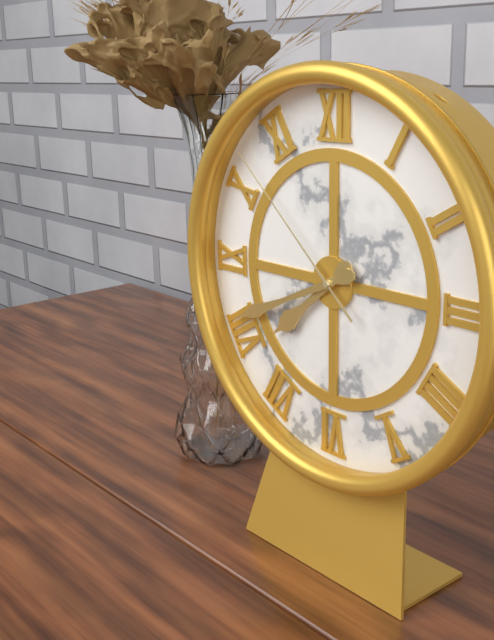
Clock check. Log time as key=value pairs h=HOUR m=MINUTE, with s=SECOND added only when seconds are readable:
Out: h=7 m=41 s=52
